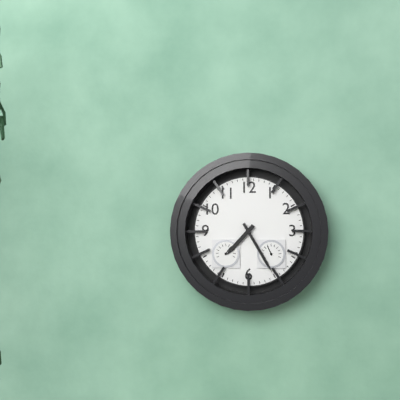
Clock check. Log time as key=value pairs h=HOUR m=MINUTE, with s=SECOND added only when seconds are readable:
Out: h=7 m=25
